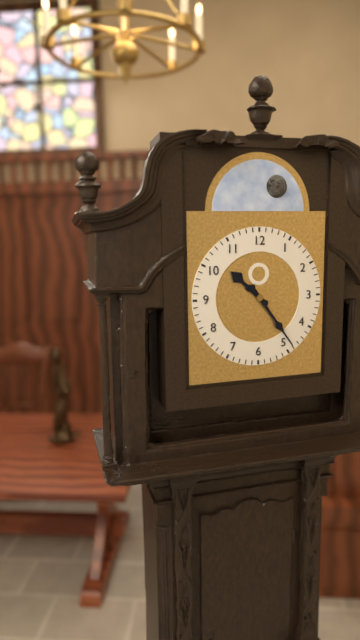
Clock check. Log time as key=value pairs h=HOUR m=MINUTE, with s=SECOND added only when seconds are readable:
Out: h=10 m=24
